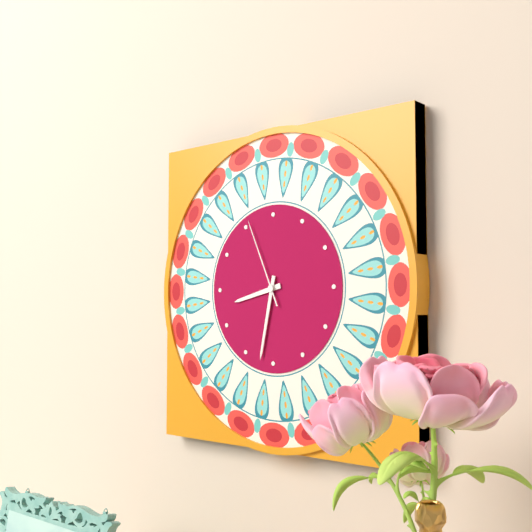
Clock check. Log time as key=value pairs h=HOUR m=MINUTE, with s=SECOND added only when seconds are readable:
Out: h=8 m=32 s=56
